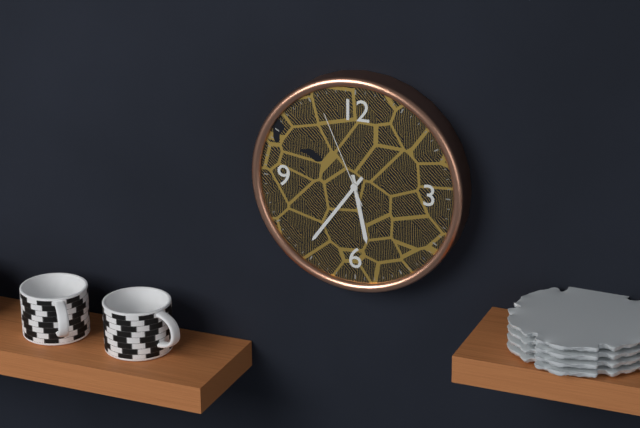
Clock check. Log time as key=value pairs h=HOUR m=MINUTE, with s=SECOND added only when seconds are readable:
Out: h=5 m=36 s=56
